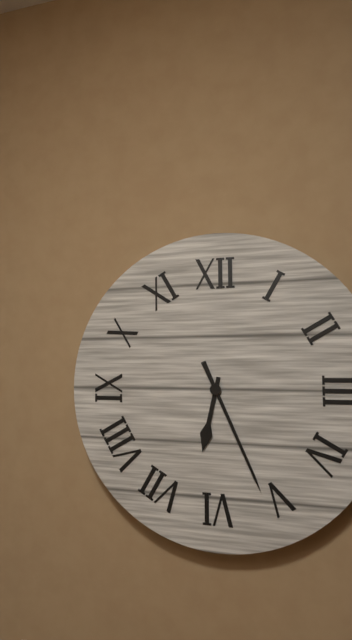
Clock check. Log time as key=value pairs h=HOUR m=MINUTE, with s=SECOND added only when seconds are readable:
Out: h=6 m=26
